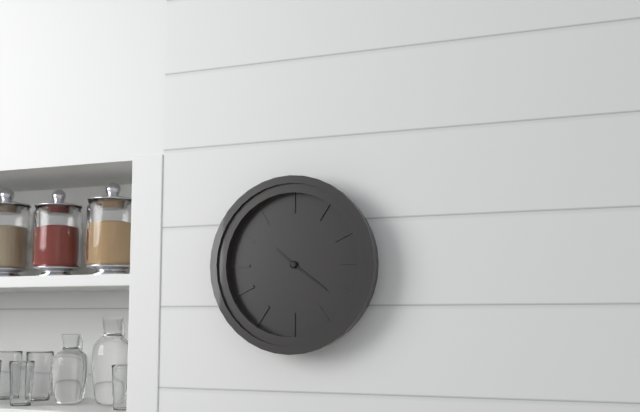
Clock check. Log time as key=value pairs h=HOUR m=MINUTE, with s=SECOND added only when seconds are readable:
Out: h=10 m=21
